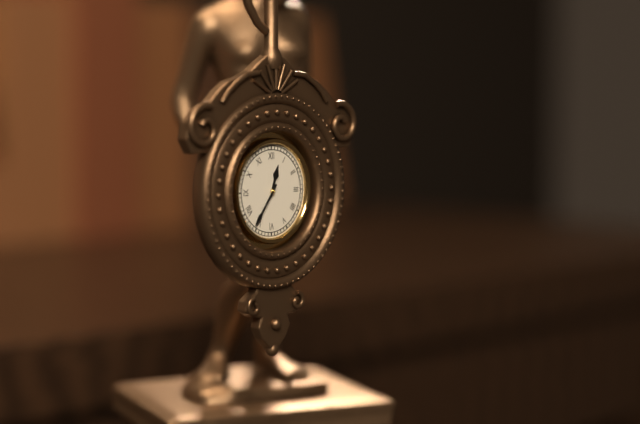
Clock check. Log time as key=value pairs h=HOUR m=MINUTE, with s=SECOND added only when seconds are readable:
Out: h=12 m=36
